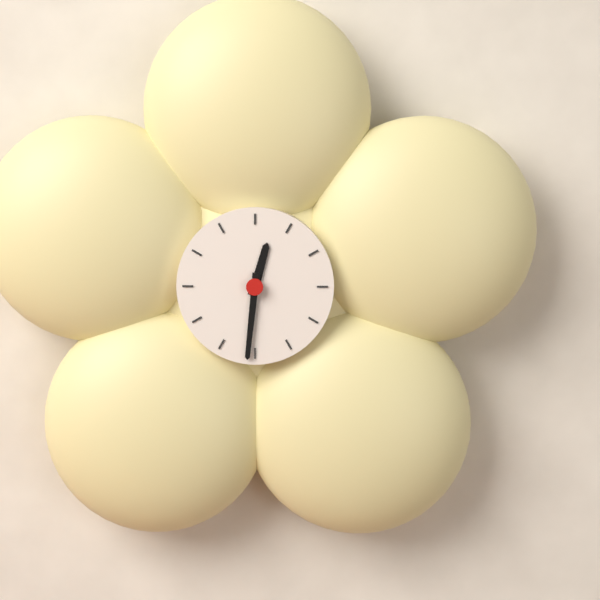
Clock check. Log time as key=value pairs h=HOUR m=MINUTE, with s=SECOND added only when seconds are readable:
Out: h=12 m=31
